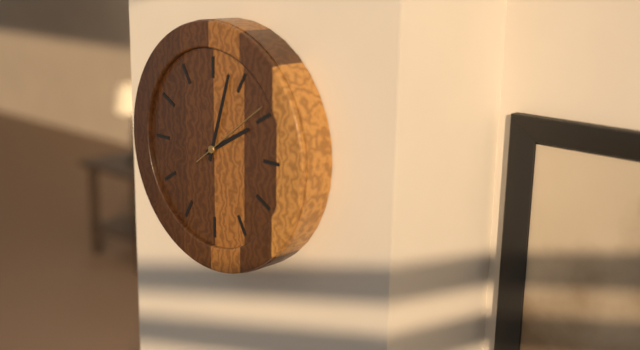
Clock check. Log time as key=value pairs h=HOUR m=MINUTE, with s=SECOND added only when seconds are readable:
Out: h=2 m=3 s=9
